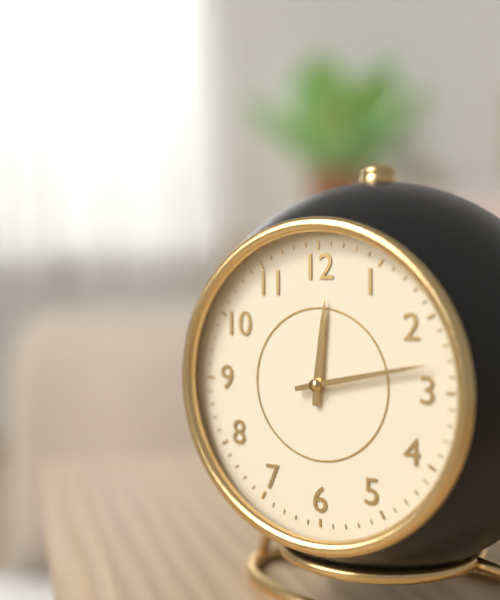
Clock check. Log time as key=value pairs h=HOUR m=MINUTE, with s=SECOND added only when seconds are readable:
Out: h=12 m=13
